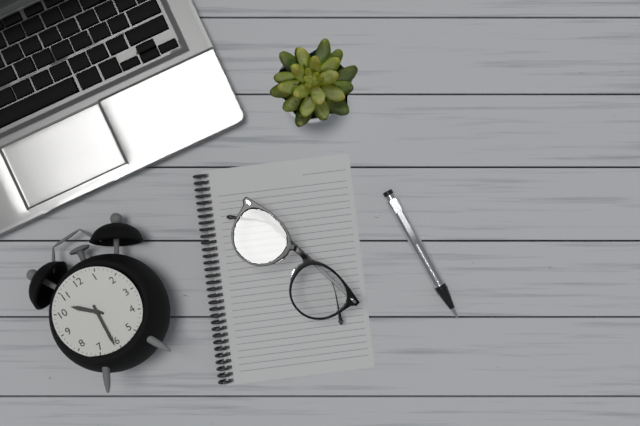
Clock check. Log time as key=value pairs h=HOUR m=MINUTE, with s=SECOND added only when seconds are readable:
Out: h=10 m=31
